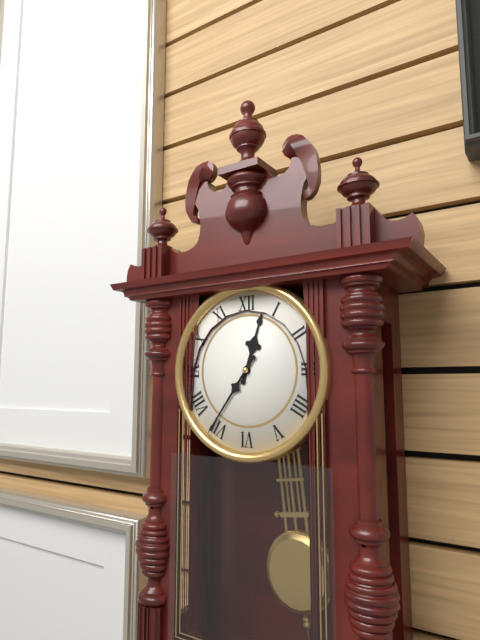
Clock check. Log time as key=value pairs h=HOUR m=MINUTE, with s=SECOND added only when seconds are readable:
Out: h=12 m=36
